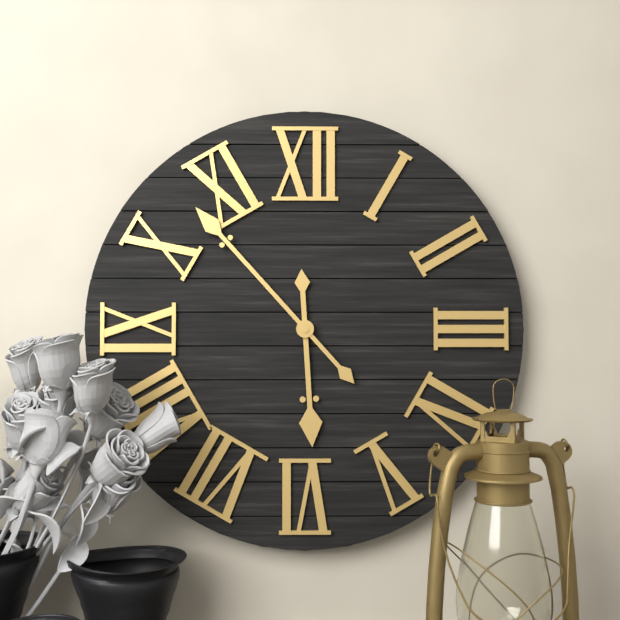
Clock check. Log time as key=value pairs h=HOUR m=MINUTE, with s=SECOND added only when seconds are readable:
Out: h=5 m=53
